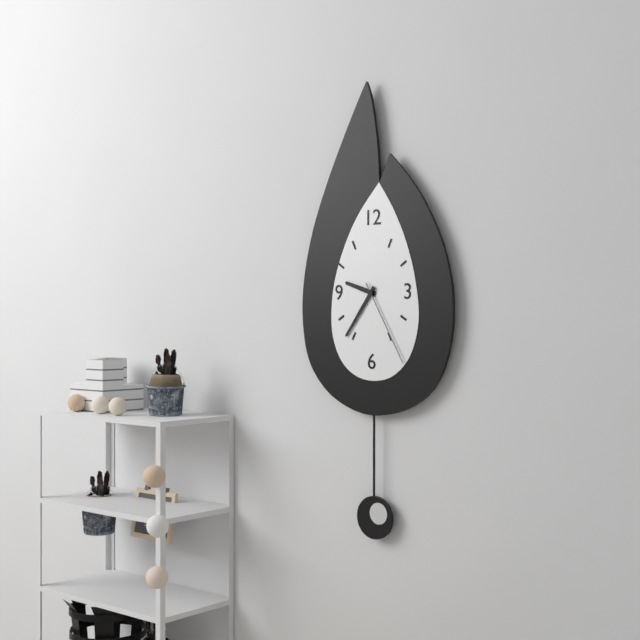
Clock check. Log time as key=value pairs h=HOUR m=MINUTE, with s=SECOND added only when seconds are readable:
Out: h=9 m=36 s=25
